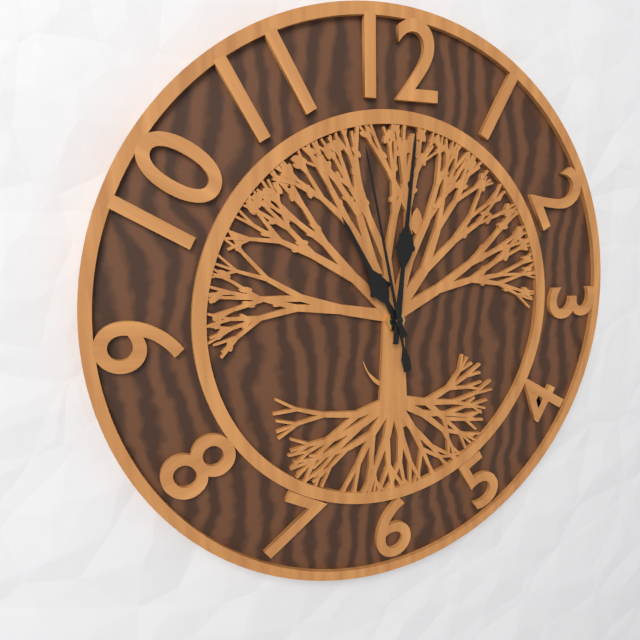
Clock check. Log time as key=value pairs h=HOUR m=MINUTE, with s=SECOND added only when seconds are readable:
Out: h=11 m=1 s=58
